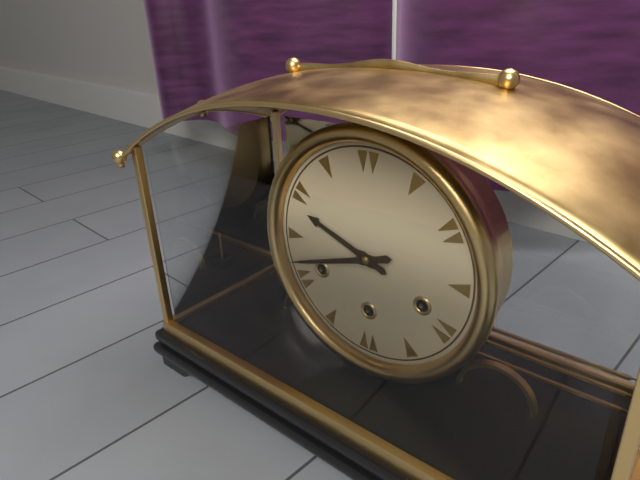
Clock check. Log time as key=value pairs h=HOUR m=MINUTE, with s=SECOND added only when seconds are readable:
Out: h=9 m=42
